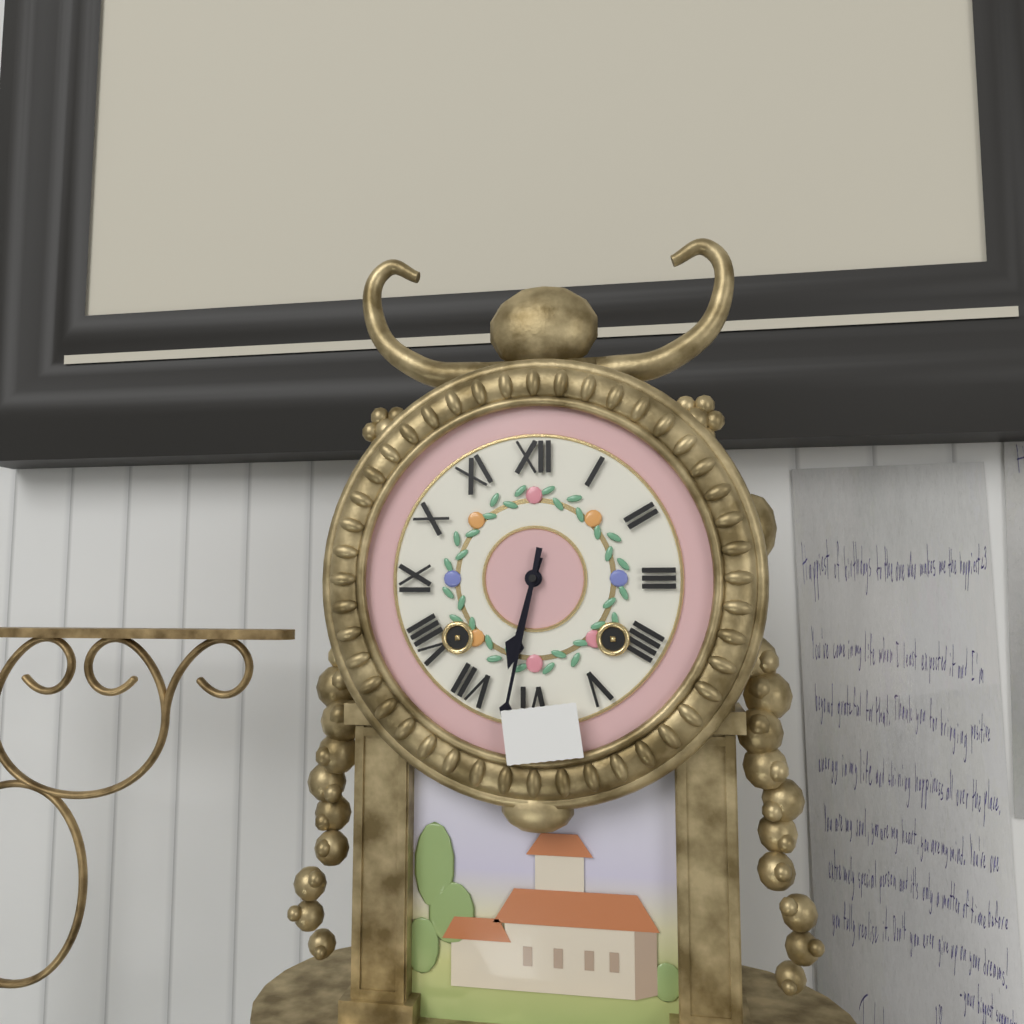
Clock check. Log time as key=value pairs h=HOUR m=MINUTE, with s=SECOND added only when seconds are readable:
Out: h=6 m=32
